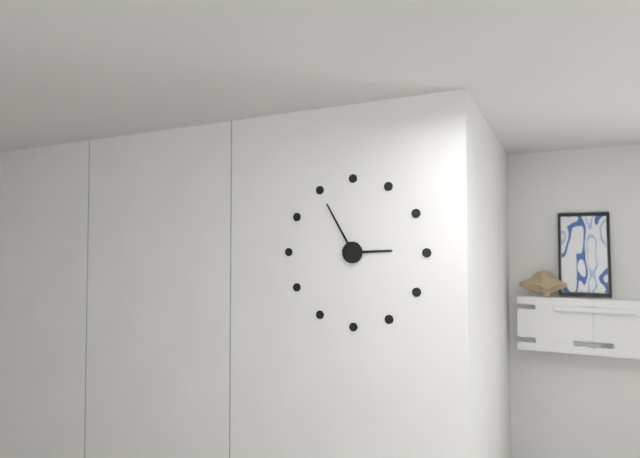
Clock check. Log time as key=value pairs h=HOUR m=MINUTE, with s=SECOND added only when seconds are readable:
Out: h=2 m=55
